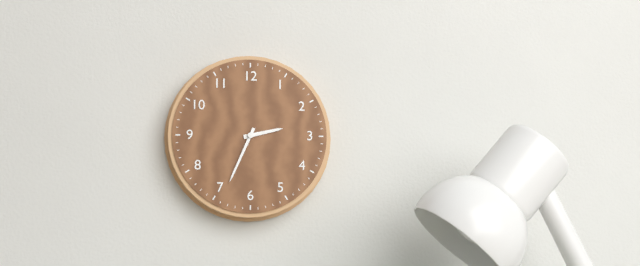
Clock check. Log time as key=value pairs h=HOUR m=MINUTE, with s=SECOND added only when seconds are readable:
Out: h=2 m=34
